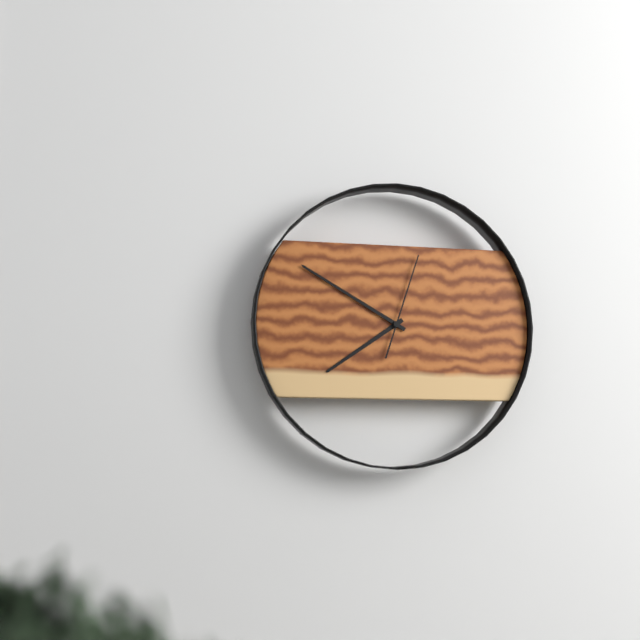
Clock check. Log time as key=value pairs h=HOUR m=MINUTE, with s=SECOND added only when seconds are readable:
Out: h=7 m=50 s=3
